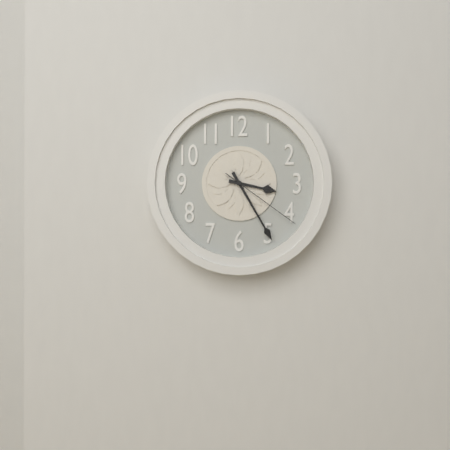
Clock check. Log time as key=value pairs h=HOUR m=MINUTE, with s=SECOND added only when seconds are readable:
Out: h=3 m=25 s=21
